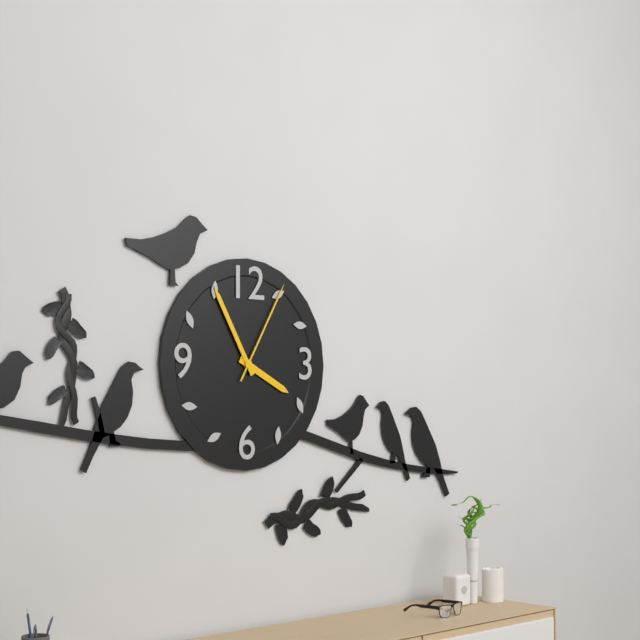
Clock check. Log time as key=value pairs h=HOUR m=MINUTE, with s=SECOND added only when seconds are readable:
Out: h=3 m=55 s=5
